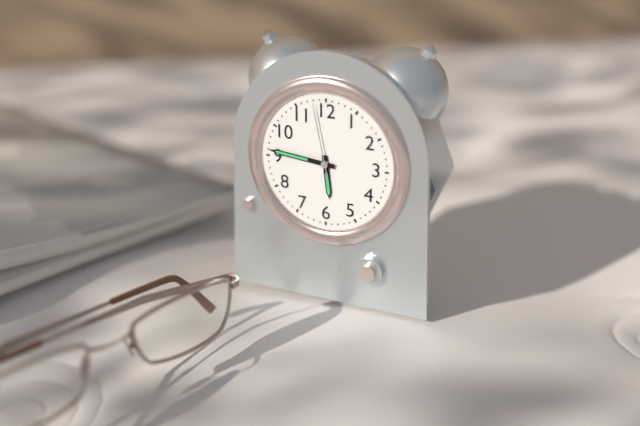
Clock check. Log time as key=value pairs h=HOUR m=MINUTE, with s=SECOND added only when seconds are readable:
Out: h=5 m=46 s=58
